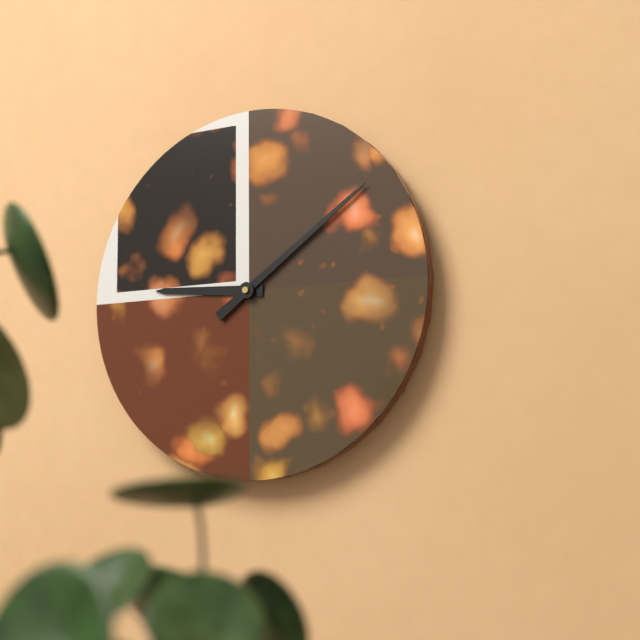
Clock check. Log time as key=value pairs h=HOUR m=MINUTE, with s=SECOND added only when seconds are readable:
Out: h=9 m=9
